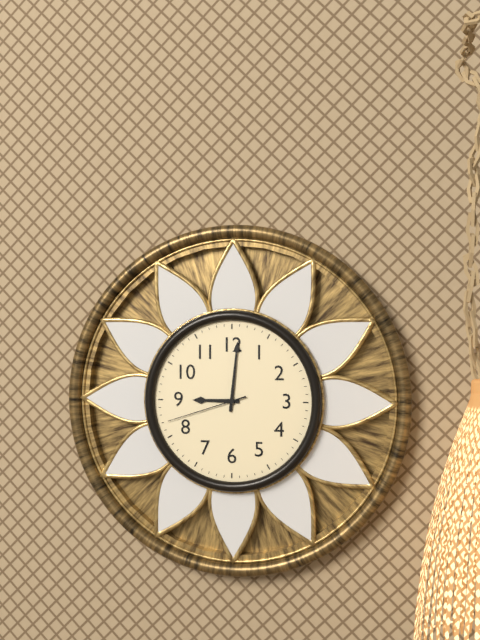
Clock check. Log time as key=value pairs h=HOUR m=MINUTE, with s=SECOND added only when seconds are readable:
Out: h=9 m=1 s=42
